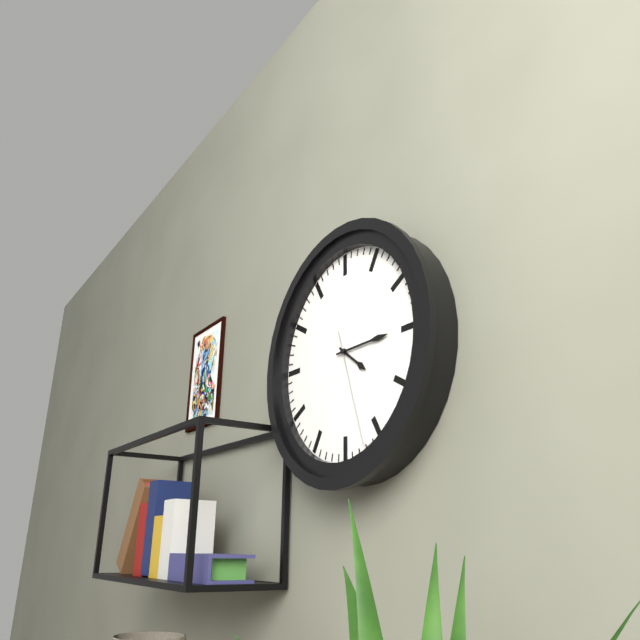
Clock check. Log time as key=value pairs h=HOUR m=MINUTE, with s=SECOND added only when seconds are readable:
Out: h=4 m=15 s=27
